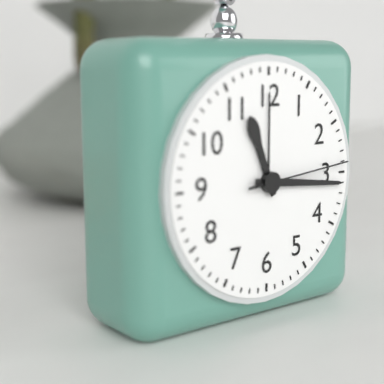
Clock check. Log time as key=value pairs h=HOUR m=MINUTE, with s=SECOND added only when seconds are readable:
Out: h=11 m=16 s=14
